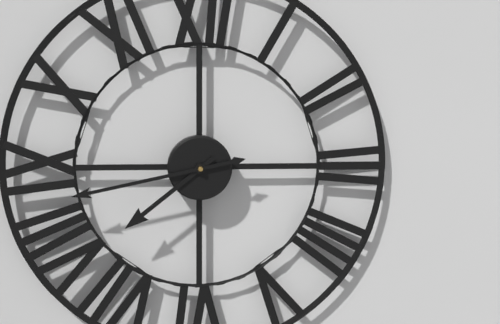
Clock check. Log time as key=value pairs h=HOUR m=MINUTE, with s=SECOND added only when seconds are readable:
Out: h=7 m=43
